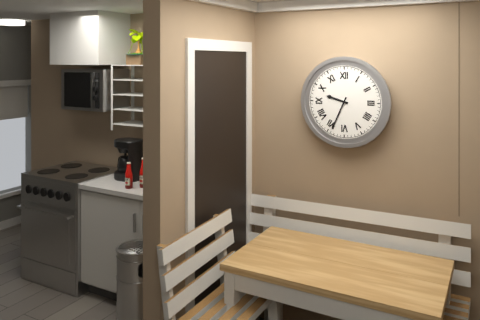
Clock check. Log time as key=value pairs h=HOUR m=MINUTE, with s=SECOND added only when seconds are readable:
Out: h=9 m=34
